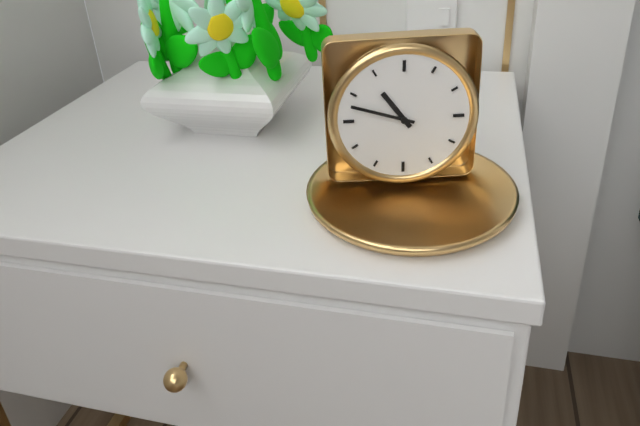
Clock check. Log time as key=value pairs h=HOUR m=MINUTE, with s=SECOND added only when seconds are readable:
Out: h=10 m=48
